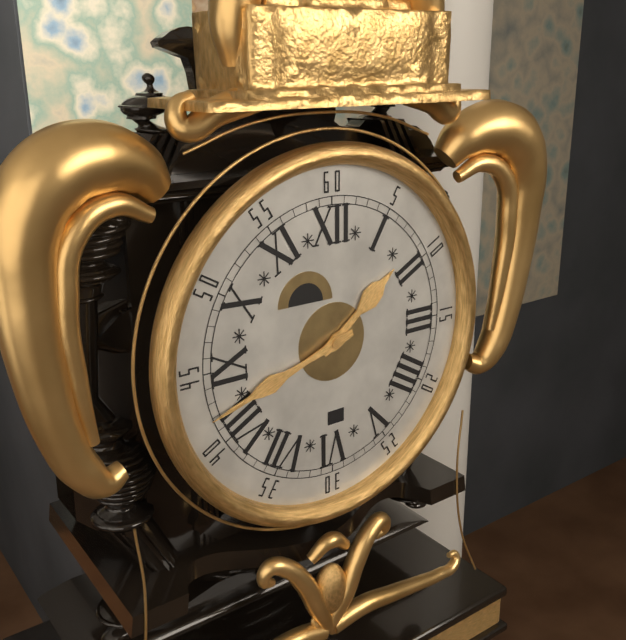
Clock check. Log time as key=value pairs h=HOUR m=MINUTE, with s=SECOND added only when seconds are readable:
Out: h=1 m=42
